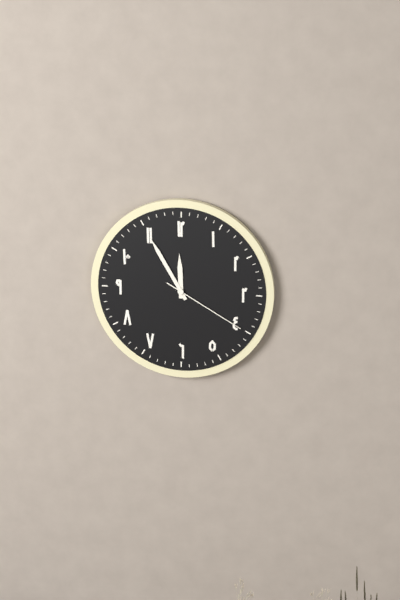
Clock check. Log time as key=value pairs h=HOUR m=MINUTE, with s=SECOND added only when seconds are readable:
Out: h=11 m=55 s=20
